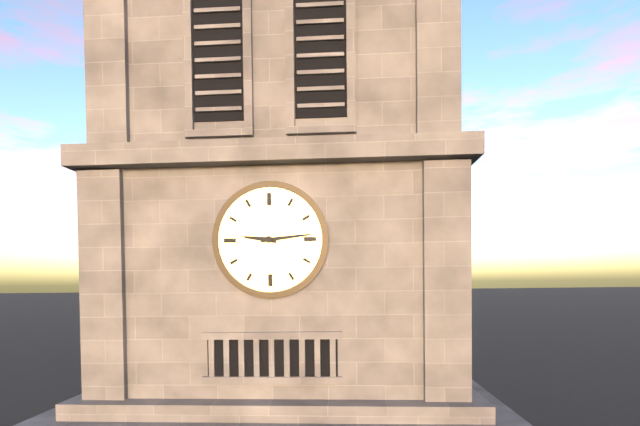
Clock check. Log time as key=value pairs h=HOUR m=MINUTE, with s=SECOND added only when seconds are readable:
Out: h=9 m=14
